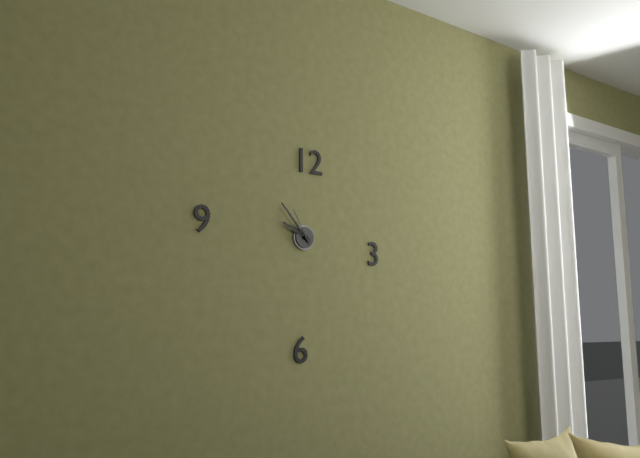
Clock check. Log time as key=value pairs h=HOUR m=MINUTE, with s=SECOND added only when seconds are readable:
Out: h=9 m=53
